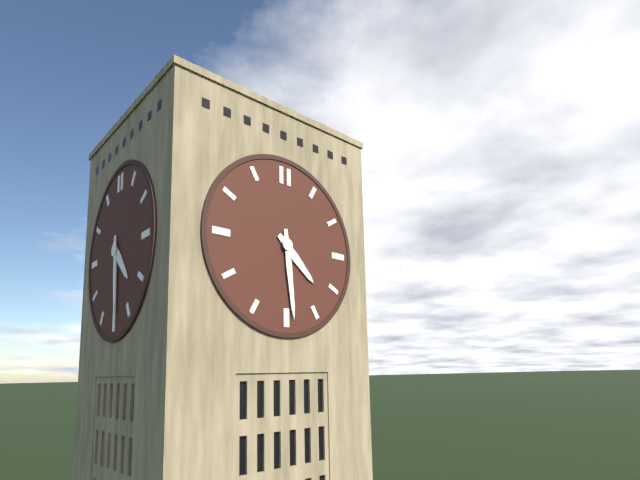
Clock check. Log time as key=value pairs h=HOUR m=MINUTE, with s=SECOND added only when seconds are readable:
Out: h=4 m=29
